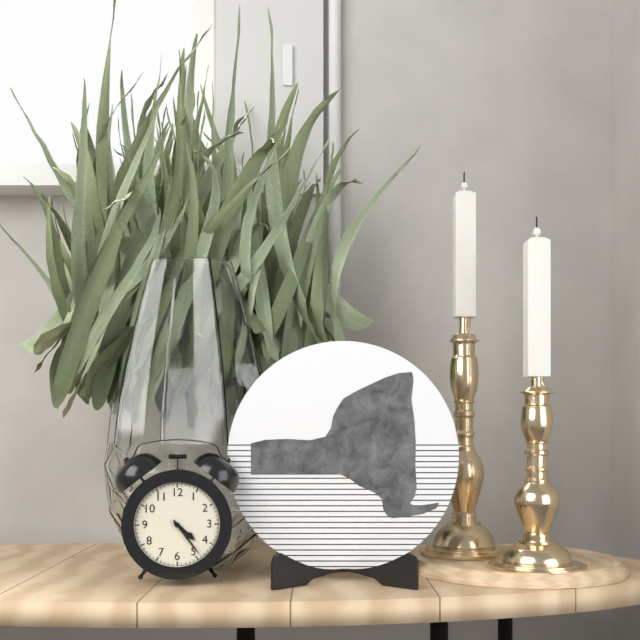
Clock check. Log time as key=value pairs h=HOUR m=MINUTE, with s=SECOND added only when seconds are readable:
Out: h=4 m=24
